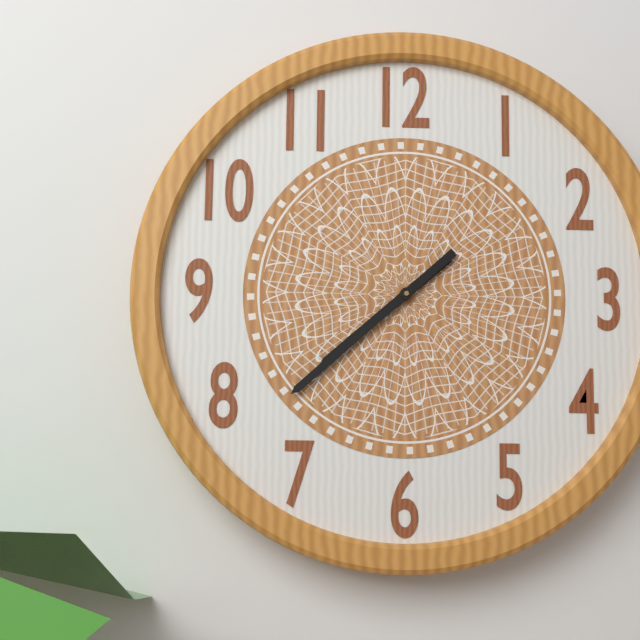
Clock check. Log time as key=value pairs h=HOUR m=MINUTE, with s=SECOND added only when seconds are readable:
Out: h=7 m=38
